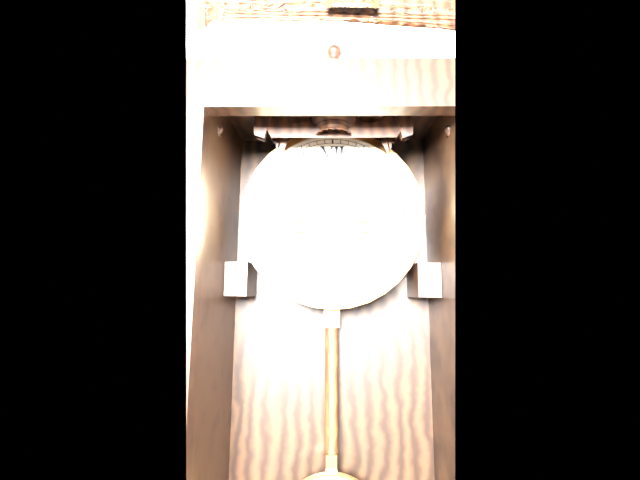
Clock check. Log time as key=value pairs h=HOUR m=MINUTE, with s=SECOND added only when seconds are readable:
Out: h=9 m=31
